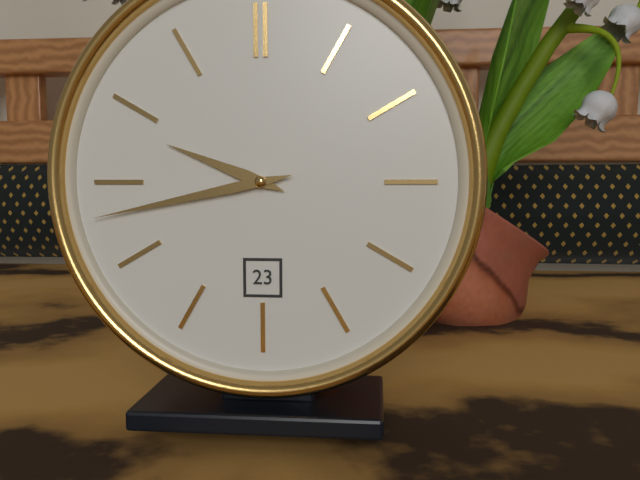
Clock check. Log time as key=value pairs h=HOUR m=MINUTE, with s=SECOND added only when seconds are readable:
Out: h=9 m=43
